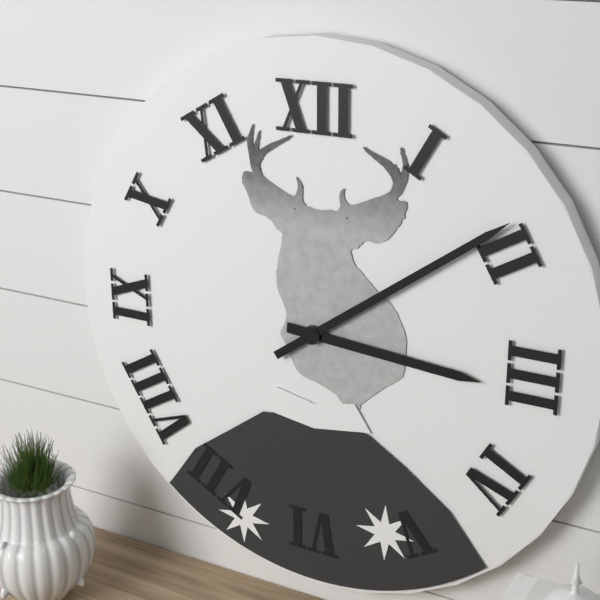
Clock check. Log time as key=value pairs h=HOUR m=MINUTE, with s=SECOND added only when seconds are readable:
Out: h=3 m=9
